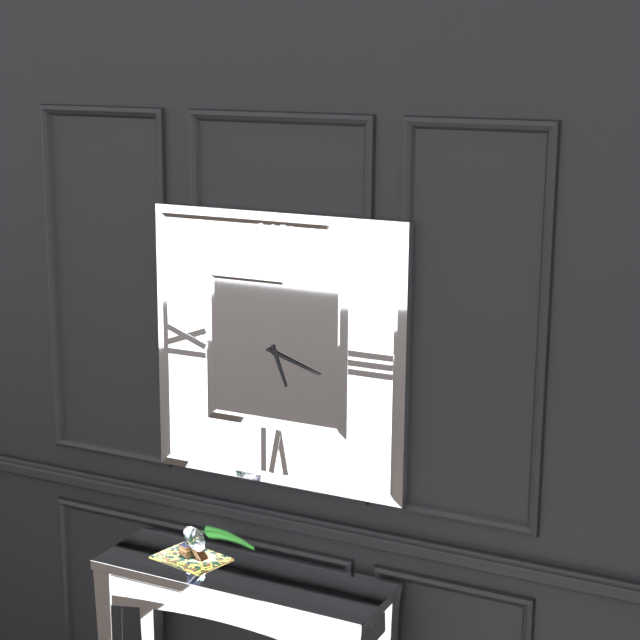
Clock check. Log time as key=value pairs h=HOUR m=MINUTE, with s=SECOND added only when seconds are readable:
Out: h=5 m=18
